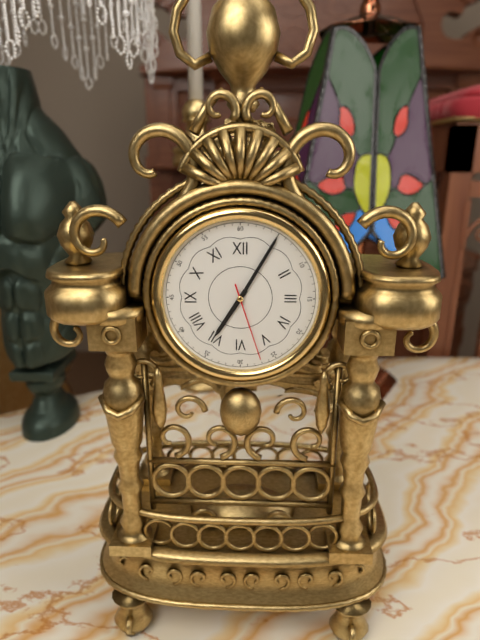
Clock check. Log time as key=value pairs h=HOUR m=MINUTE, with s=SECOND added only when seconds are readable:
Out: h=7 m=5 s=27
